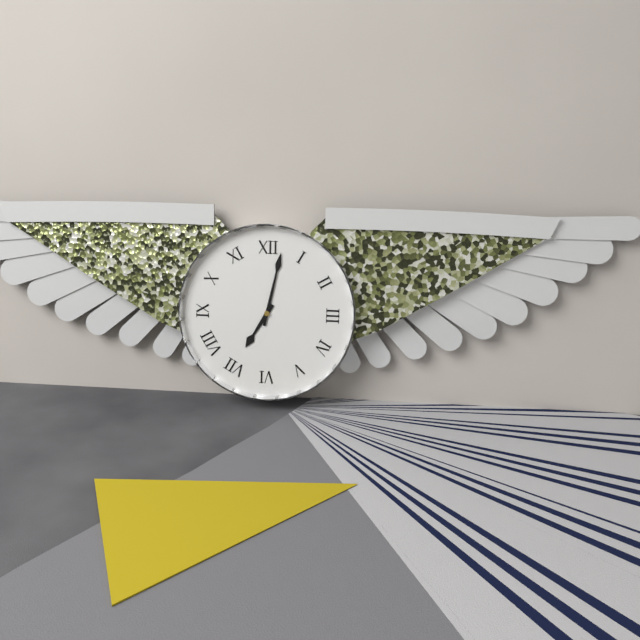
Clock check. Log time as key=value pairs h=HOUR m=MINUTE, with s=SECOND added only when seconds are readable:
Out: h=7 m=2
